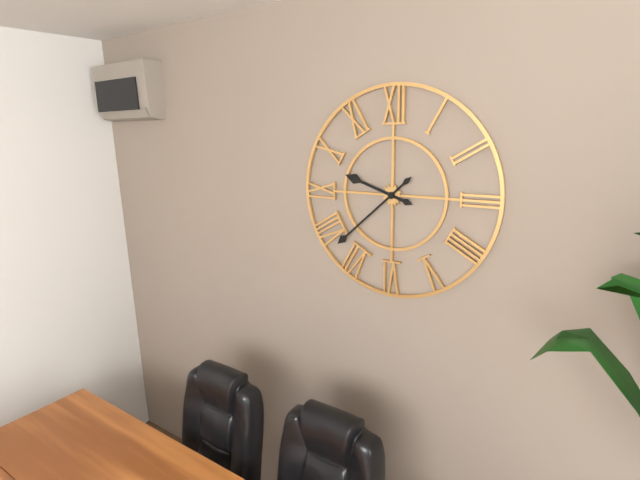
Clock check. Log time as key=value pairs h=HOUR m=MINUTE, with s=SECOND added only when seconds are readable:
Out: h=9 m=38
